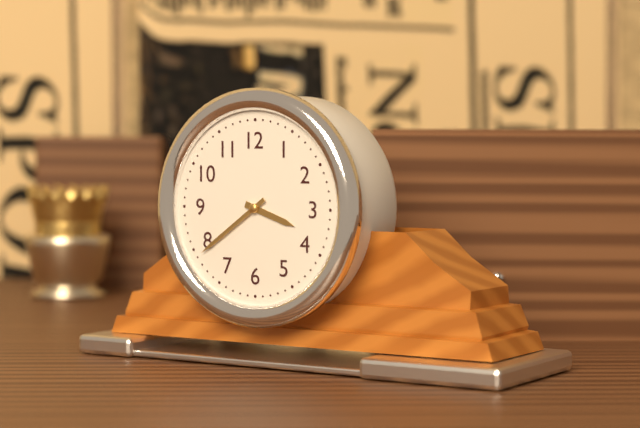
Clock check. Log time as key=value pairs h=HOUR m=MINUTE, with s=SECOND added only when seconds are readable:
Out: h=3 m=39
